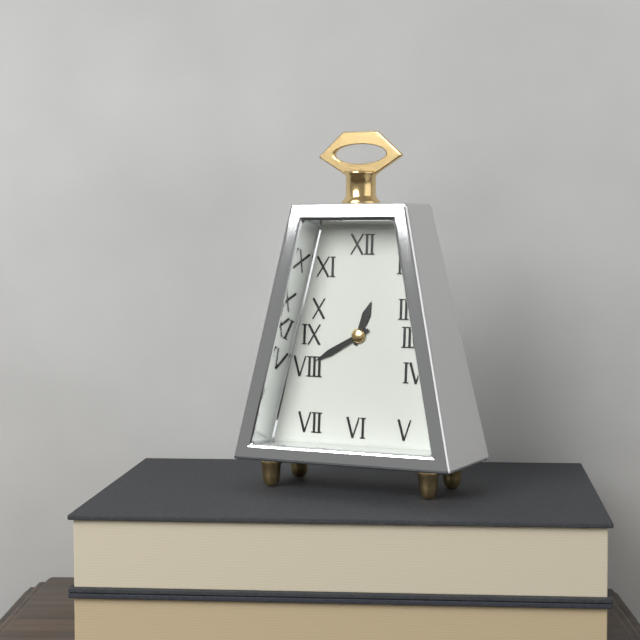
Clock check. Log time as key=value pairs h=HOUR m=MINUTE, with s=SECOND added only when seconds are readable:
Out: h=12 m=40
